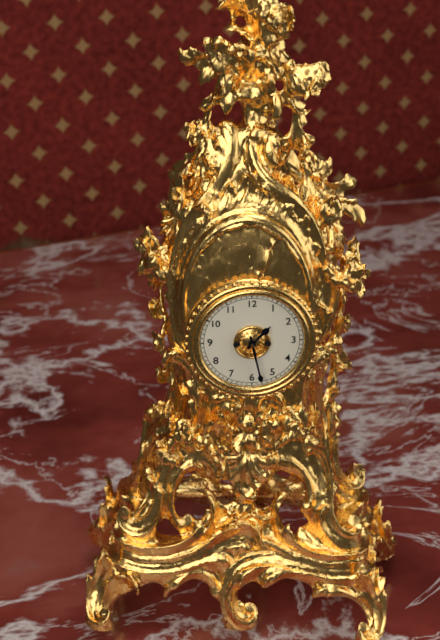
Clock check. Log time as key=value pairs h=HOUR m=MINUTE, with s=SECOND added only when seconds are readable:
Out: h=1 m=28
